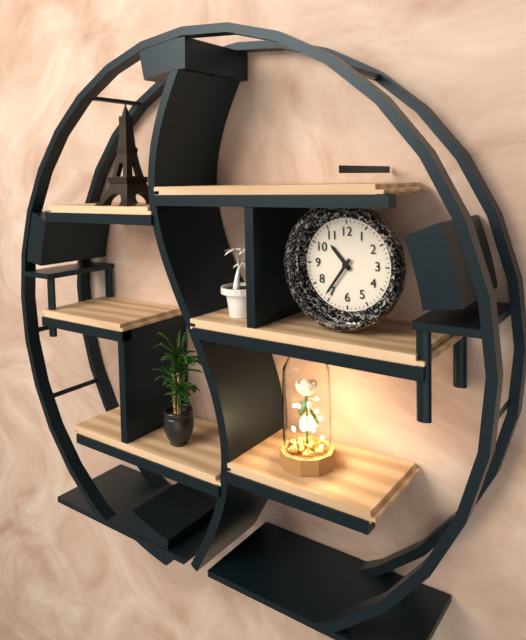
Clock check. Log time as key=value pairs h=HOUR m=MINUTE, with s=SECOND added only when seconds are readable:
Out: h=10 m=36
